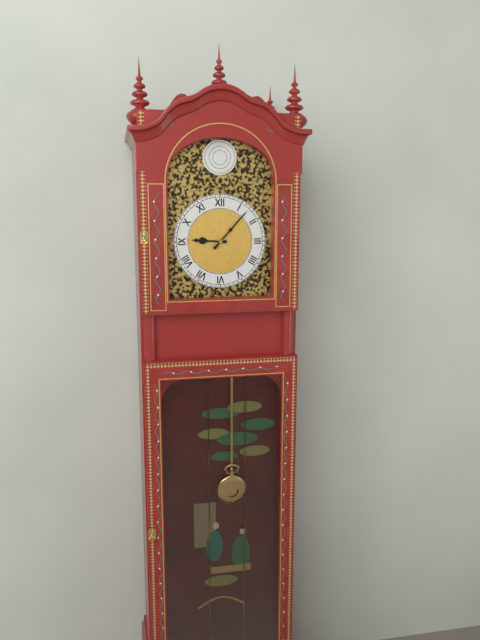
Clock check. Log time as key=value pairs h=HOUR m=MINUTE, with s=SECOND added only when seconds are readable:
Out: h=9 m=7
